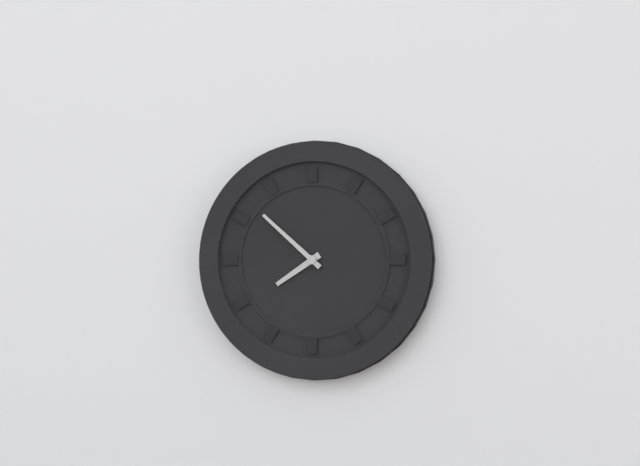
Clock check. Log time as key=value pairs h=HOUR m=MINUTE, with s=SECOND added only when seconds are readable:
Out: h=7 m=52
